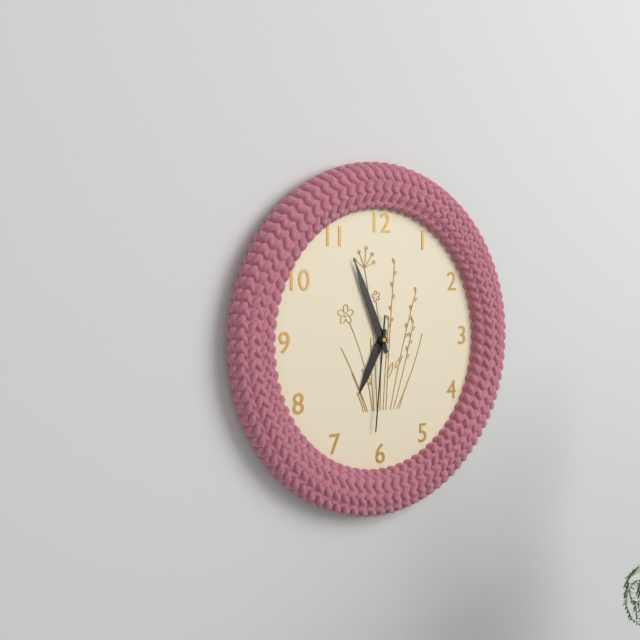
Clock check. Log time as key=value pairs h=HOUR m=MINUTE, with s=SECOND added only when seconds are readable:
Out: h=6 m=56 s=31
